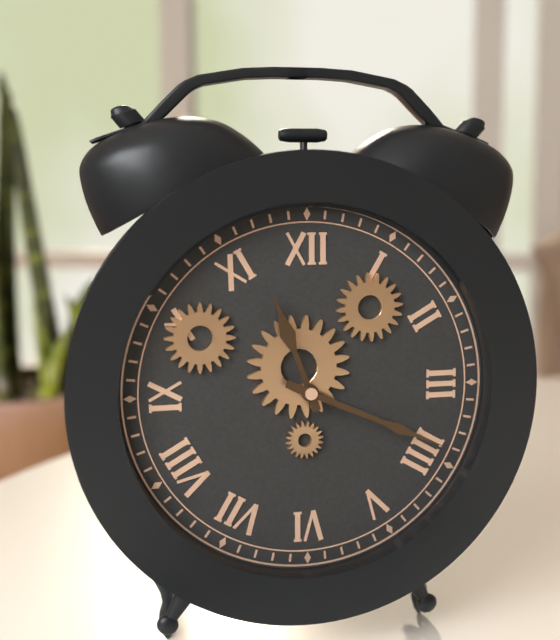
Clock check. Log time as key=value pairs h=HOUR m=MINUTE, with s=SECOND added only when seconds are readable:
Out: h=11 m=19
